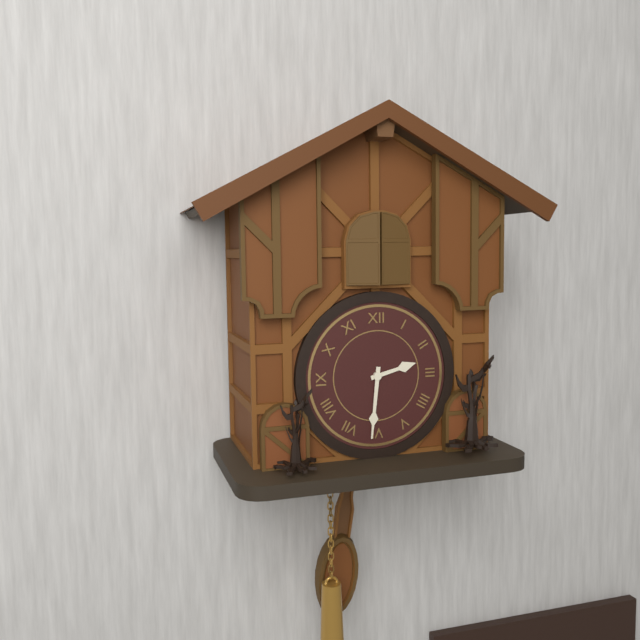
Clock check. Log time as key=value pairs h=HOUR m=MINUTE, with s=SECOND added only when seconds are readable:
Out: h=2 m=31
